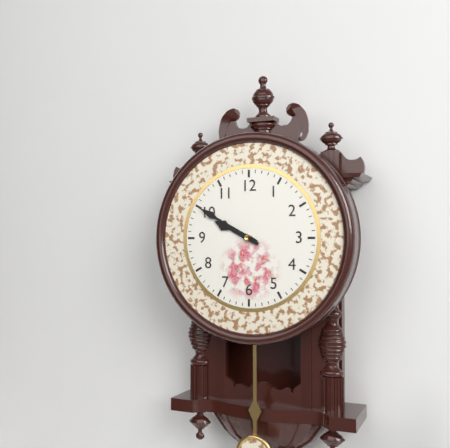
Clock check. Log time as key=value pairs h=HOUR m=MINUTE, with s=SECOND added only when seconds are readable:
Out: h=9 m=50
